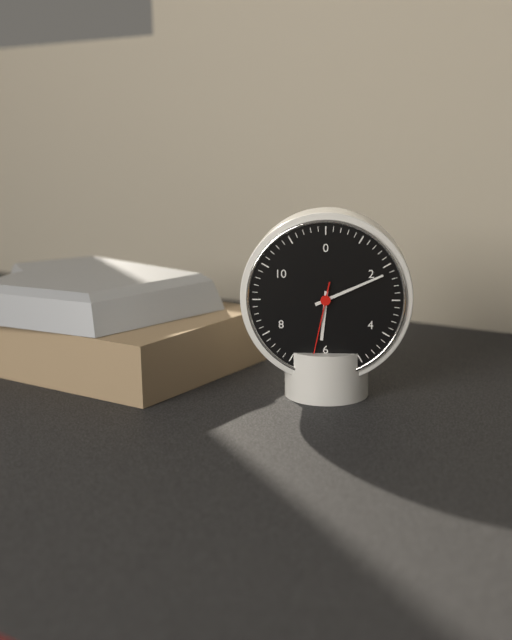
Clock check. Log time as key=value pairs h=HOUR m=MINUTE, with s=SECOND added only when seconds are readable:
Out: h=6 m=11 s=32
